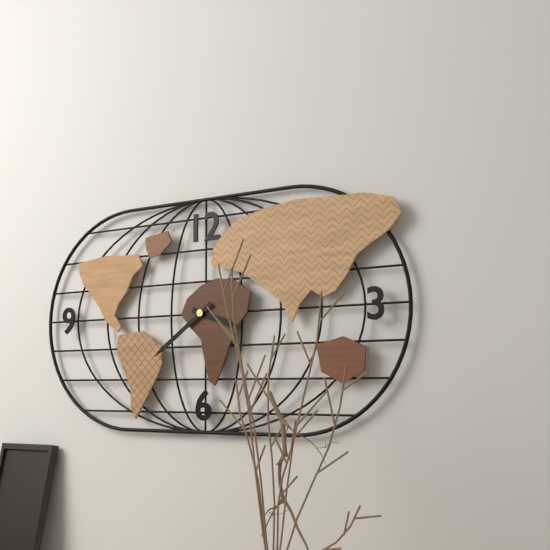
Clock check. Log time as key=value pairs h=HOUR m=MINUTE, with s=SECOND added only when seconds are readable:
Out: h=3 m=39
